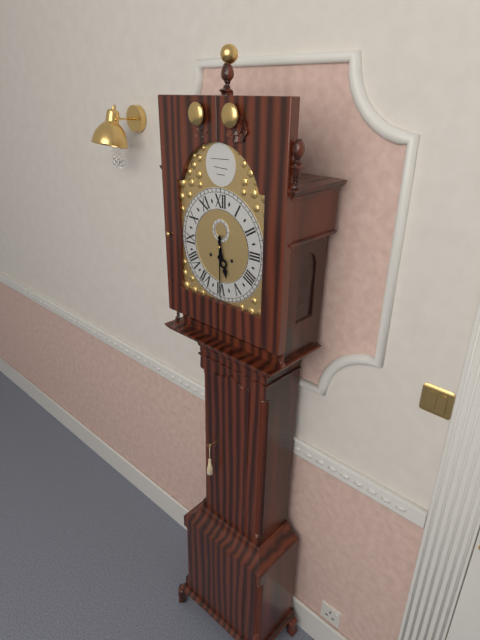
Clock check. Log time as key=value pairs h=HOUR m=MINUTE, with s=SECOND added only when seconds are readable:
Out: h=5 m=30
